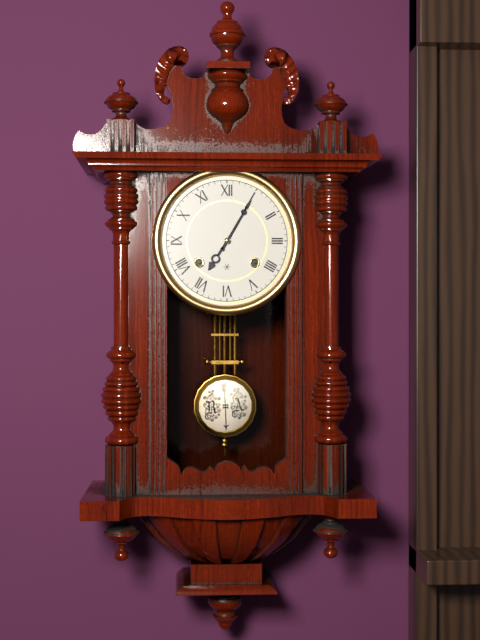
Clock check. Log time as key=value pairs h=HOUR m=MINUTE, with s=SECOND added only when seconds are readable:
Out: h=7 m=5
